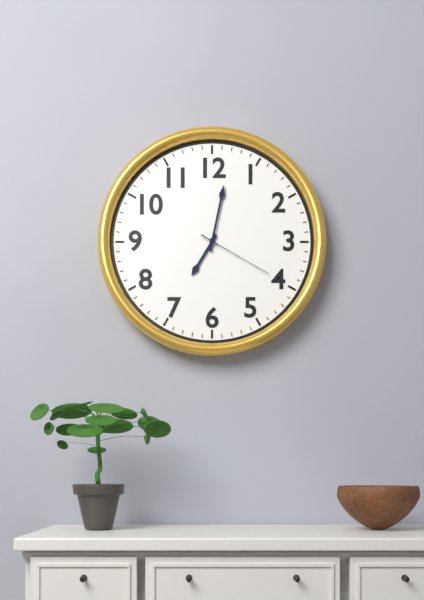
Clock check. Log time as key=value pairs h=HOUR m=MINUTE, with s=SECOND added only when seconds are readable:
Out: h=7 m=2 s=20
